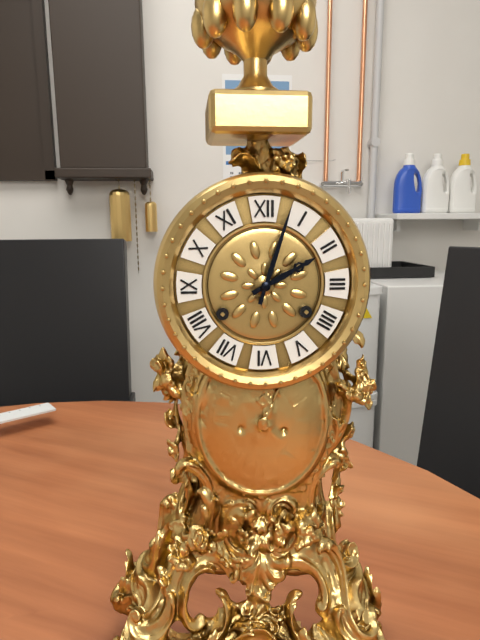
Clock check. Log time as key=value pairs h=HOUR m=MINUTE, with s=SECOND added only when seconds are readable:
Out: h=2 m=3
